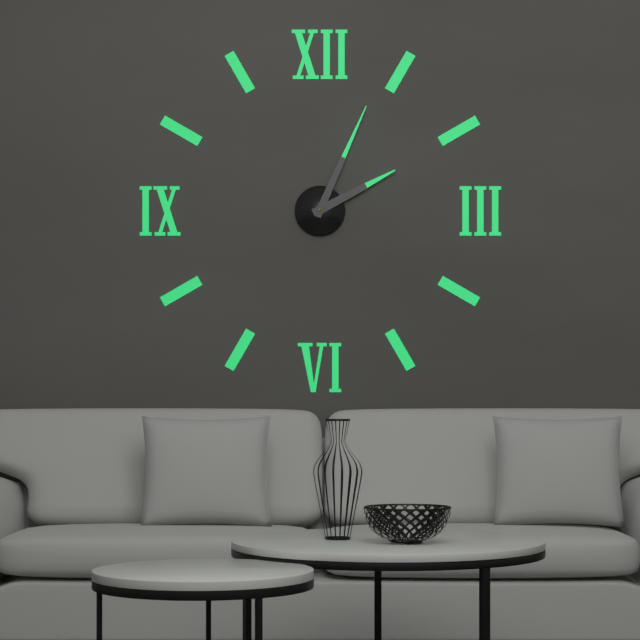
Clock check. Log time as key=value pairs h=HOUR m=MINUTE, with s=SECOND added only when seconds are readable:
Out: h=2 m=4
